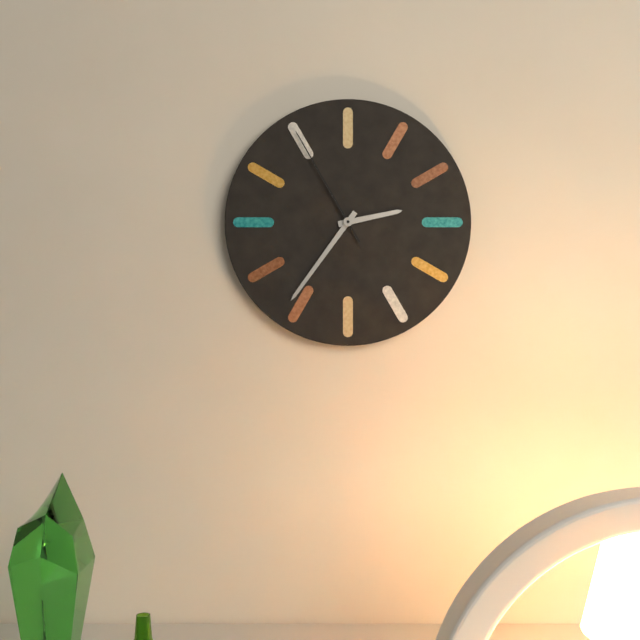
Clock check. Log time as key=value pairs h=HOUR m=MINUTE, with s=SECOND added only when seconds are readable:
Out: h=2 m=36 s=55
